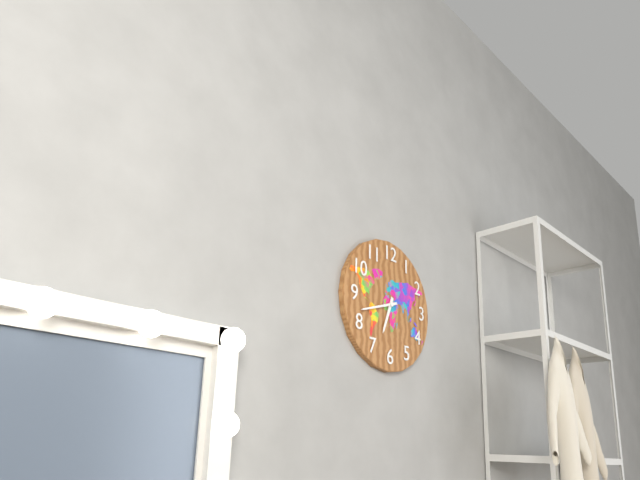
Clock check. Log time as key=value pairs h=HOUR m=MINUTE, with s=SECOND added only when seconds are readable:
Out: h=6 m=42
